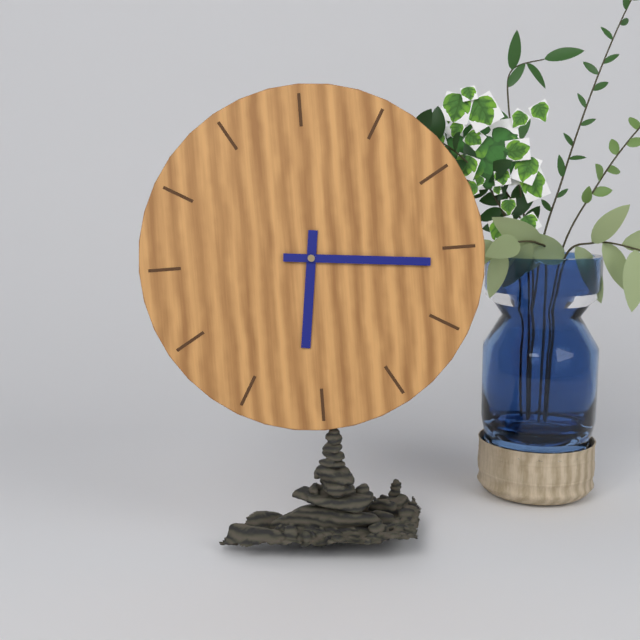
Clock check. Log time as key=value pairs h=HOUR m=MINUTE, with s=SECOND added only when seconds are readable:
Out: h=6 m=16
